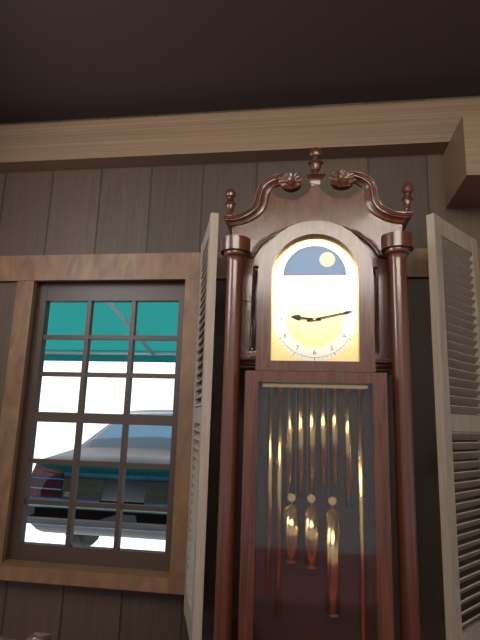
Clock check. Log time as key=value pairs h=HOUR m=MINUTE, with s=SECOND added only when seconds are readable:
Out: h=9 m=13
